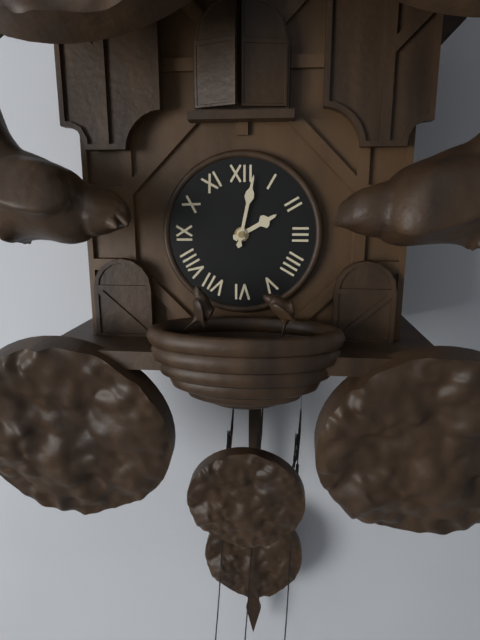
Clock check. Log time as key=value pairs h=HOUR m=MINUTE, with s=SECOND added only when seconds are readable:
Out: h=2 m=2
